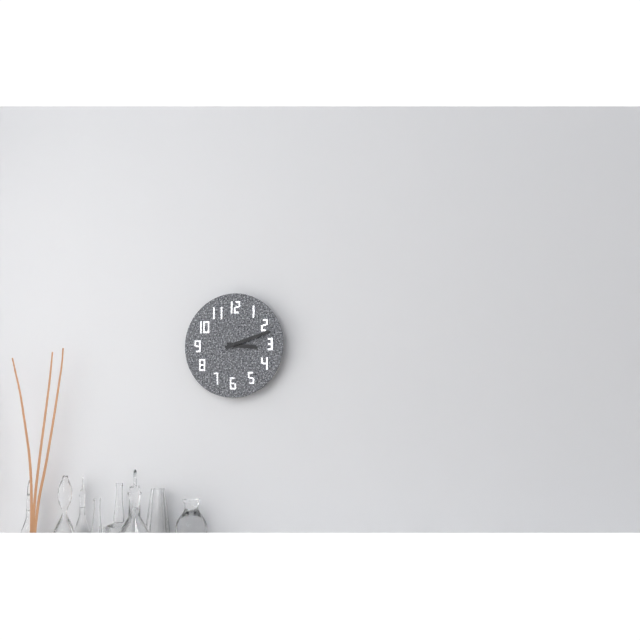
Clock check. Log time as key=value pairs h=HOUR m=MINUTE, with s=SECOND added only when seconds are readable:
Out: h=3 m=12
